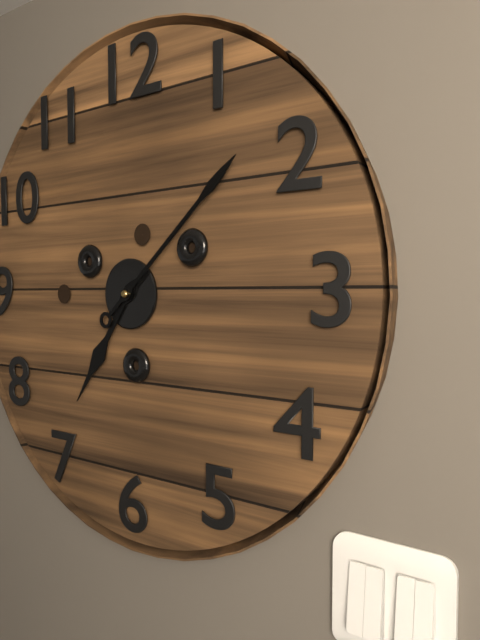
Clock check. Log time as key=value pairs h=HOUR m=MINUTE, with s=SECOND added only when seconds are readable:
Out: h=7 m=8
